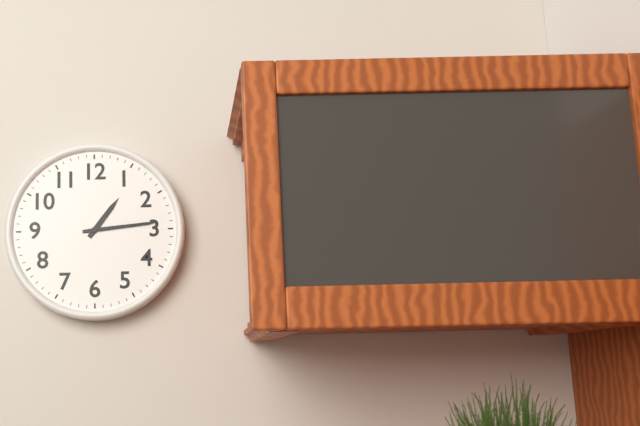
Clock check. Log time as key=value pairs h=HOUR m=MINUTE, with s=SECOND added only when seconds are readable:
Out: h=1 m=14
